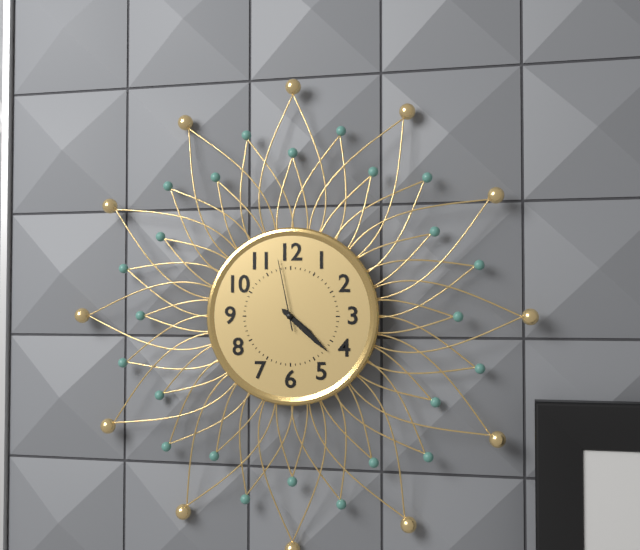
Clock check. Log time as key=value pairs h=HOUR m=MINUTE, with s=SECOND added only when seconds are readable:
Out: h=4 m=22 s=58
